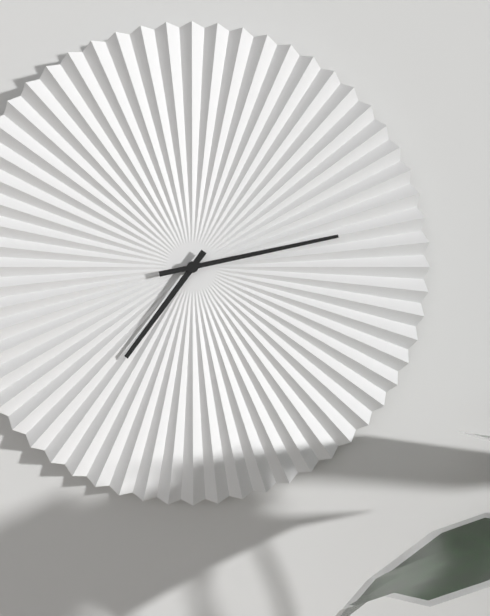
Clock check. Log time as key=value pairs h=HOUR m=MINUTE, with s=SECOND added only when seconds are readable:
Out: h=7 m=13
